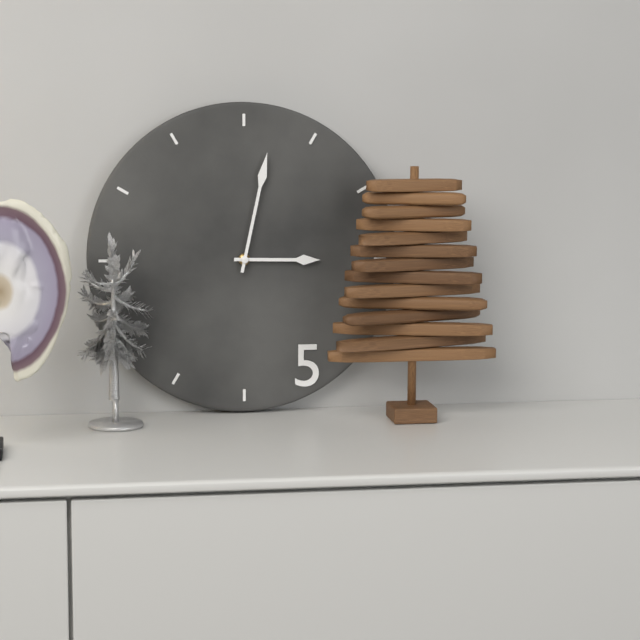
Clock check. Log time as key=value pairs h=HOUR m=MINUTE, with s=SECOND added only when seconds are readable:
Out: h=3 m=2
